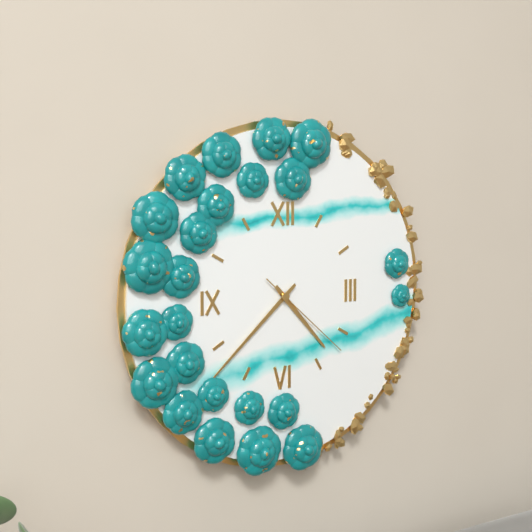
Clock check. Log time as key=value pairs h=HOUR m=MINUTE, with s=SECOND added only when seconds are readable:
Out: h=4 m=38 s=22
